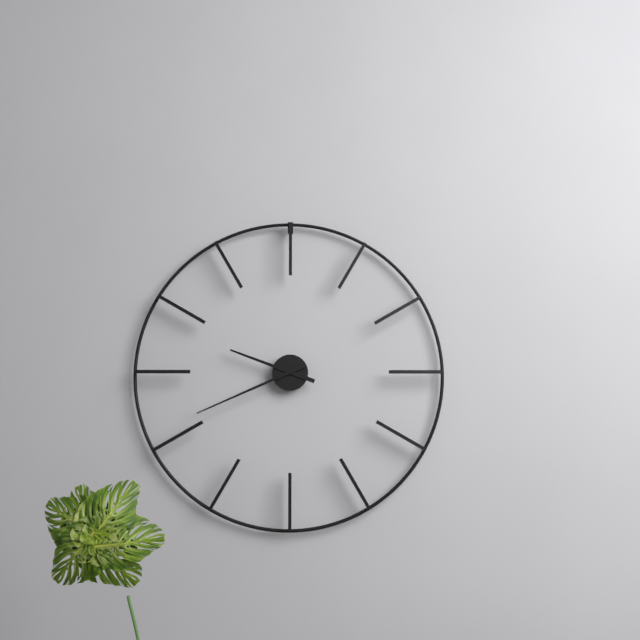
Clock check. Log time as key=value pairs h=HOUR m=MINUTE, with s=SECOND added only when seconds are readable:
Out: h=9 m=41
